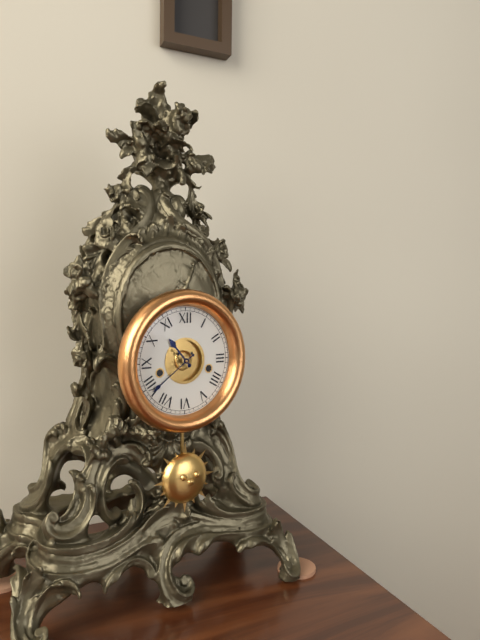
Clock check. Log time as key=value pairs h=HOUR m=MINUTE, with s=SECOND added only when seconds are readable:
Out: h=10 m=39
